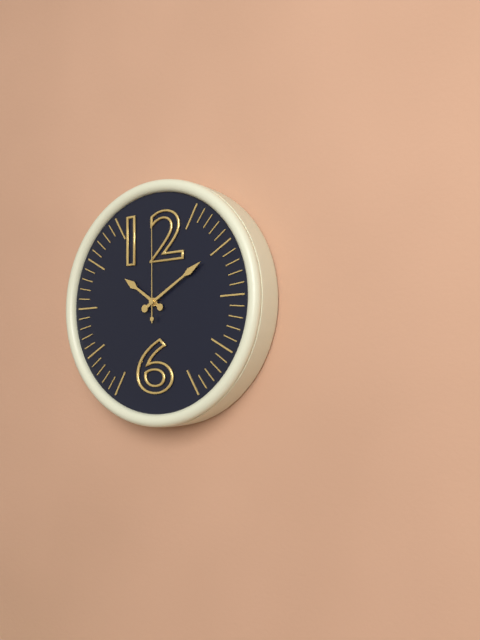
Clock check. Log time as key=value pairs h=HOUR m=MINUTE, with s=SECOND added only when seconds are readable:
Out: h=10 m=10 s=0
